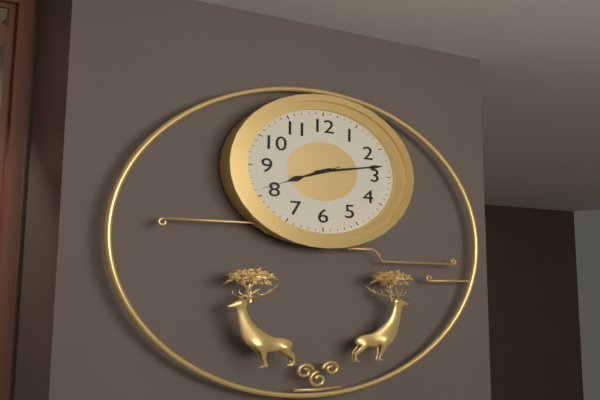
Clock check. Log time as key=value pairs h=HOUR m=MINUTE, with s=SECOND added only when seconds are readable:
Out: h=8 m=13 s=41
